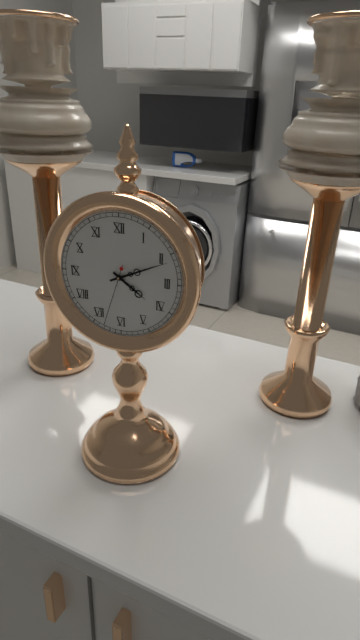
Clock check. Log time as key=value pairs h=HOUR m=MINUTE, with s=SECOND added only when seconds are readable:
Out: h=4 m=11 s=33
